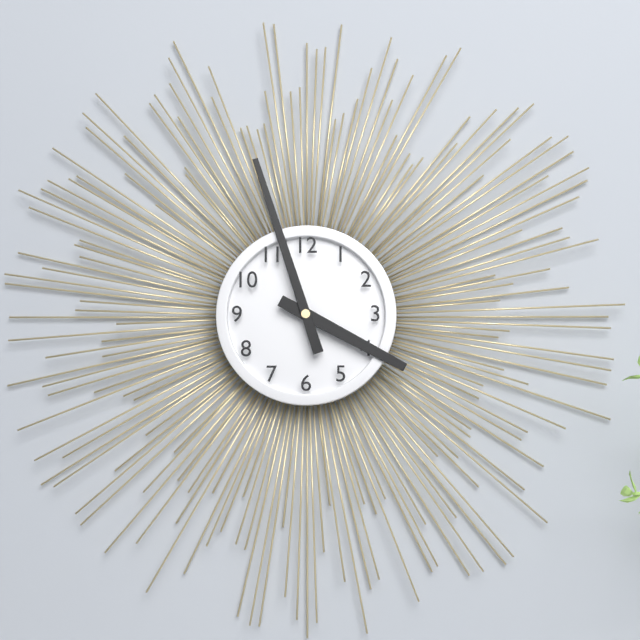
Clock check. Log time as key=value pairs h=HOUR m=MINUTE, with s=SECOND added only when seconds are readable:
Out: h=3 m=57
